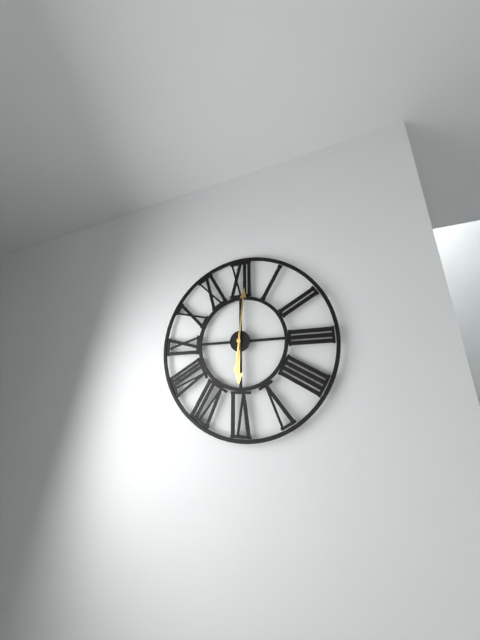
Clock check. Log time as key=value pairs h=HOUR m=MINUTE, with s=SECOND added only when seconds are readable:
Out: h=6 m=1
